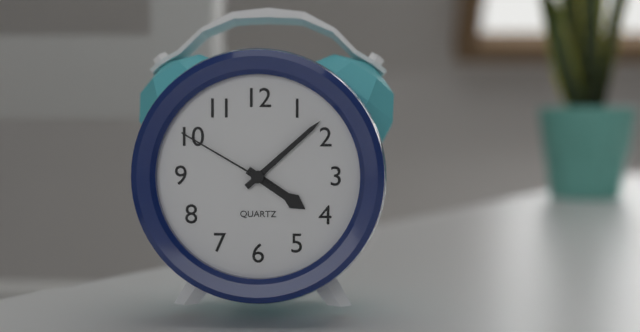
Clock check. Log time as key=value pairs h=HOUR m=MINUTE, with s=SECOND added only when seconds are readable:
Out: h=4 m=8 s=50
